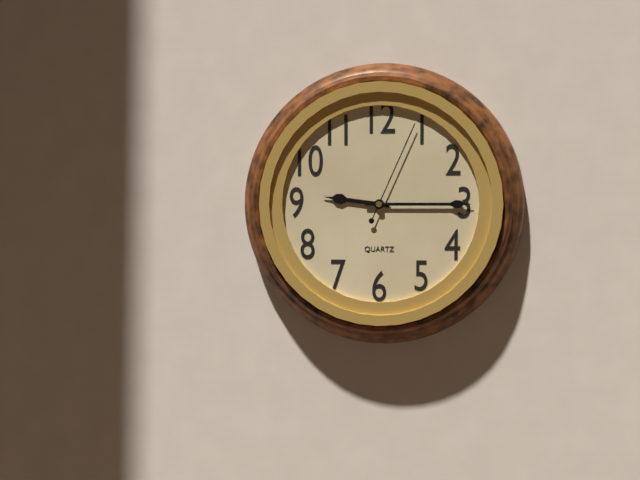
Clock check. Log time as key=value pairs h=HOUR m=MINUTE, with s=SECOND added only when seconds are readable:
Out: h=9 m=15 s=4
